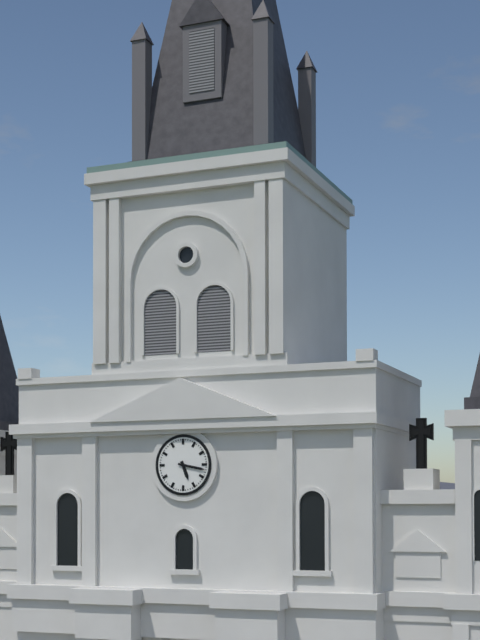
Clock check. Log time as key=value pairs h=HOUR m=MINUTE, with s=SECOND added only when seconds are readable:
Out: h=5 m=17
